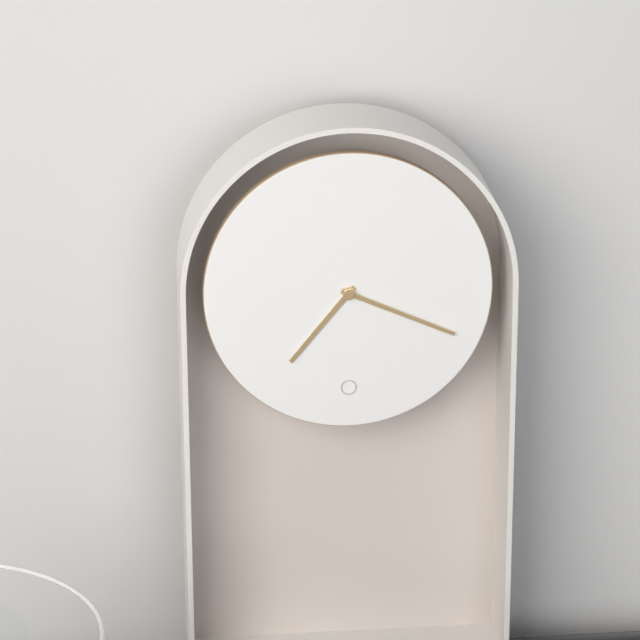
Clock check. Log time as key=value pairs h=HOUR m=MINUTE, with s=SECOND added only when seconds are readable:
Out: h=7 m=19
